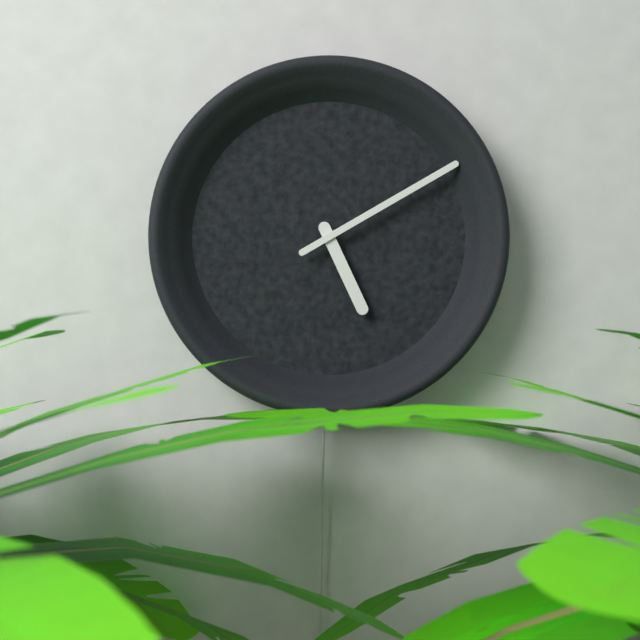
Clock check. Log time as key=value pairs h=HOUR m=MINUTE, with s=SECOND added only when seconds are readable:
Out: h=5 m=10
